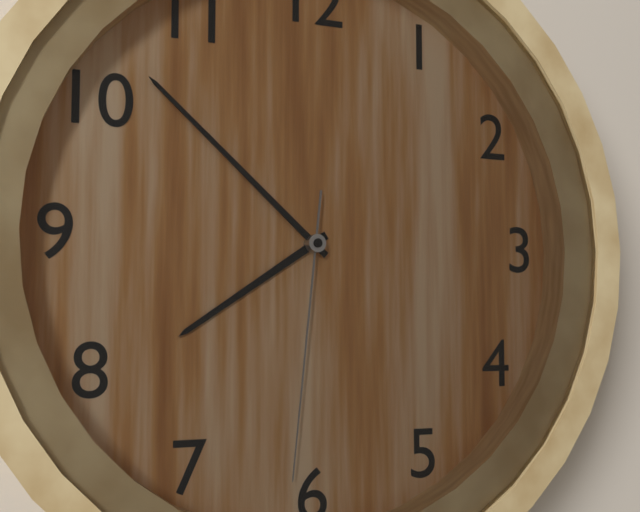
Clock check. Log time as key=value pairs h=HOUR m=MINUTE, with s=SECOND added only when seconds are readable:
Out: h=7 m=52 s=31
